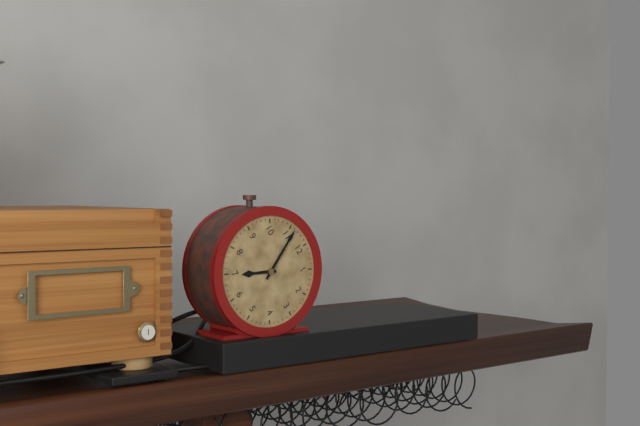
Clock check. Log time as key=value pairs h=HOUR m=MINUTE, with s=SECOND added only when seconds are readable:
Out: h=6 m=56
